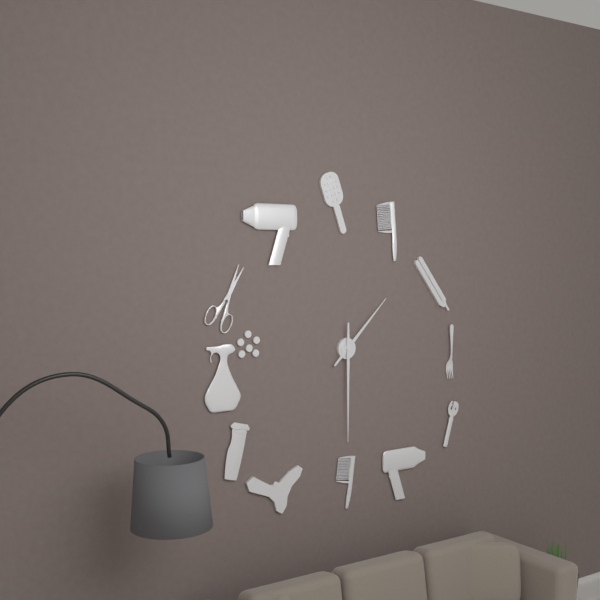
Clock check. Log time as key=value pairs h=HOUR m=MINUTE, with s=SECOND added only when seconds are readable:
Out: h=1 m=30
